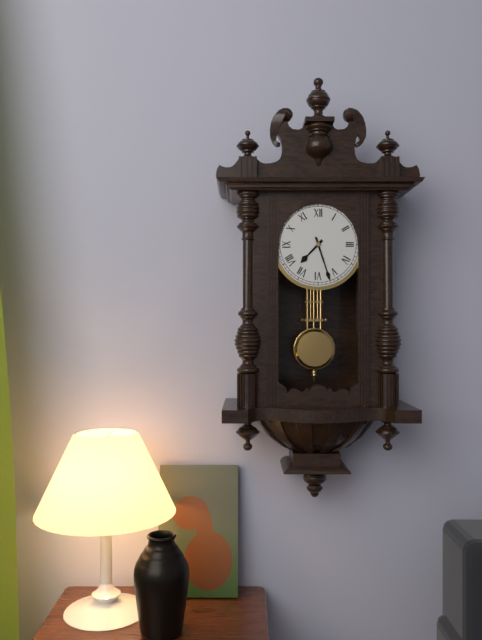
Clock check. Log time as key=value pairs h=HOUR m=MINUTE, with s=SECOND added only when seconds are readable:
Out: h=7 m=27
